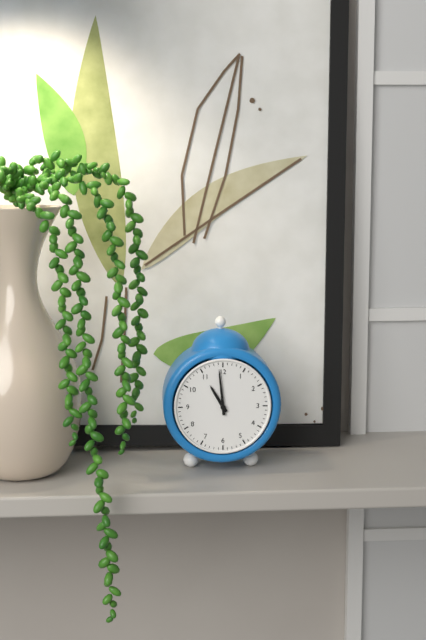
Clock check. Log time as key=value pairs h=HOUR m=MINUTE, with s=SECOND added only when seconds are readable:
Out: h=10 m=59
